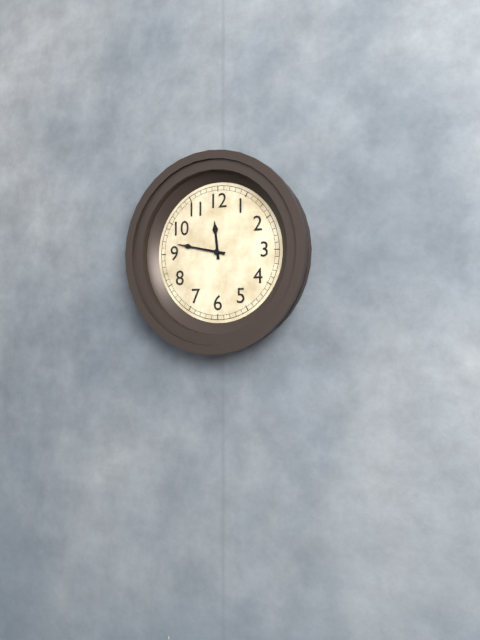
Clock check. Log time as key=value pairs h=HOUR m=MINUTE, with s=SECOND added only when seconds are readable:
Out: h=11 m=47
